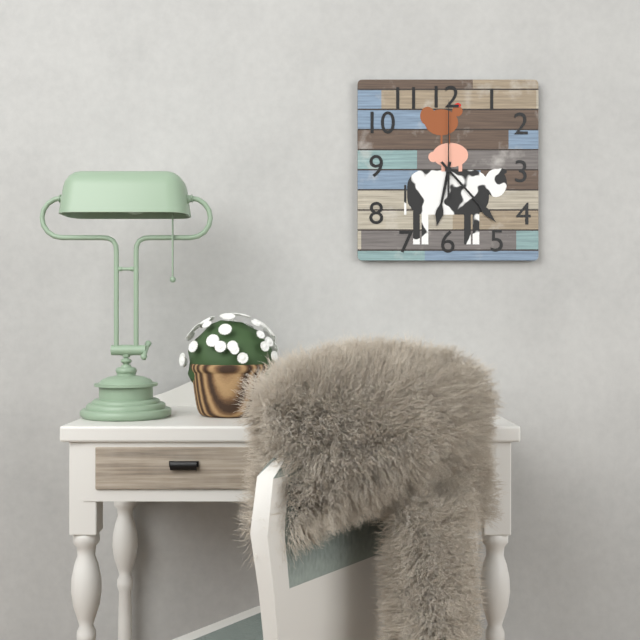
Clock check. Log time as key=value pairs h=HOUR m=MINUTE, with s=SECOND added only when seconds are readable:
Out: h=6 m=23 s=0
